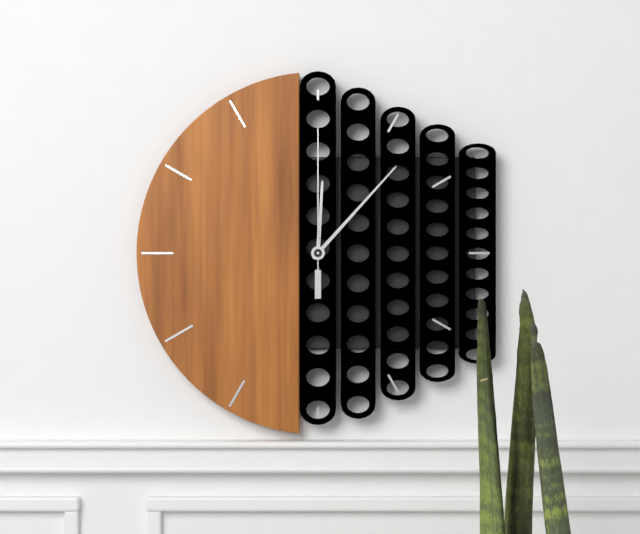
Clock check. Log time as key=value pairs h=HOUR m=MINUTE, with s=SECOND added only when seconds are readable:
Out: h=12 m=7 s=0
